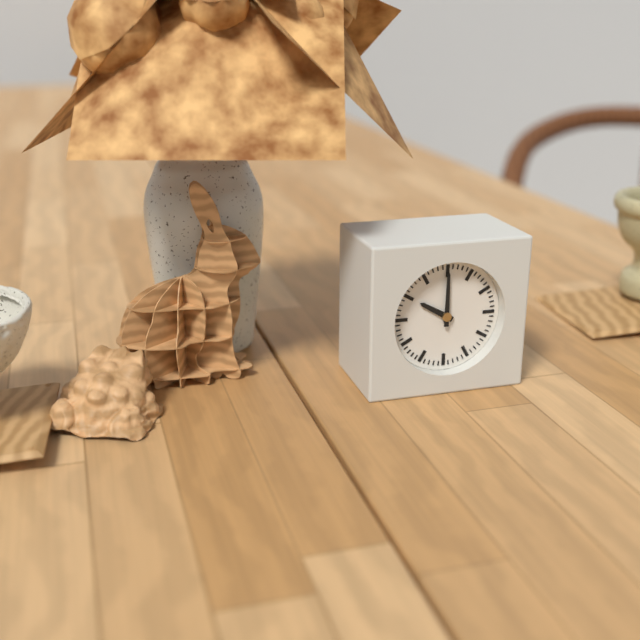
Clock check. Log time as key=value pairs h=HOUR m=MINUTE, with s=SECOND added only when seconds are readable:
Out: h=10 m=0
